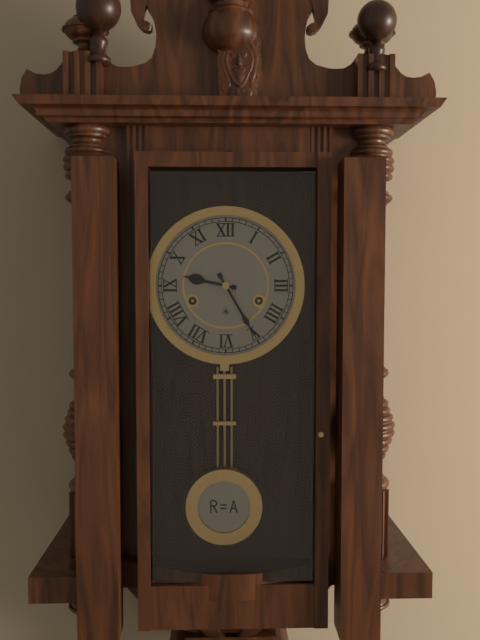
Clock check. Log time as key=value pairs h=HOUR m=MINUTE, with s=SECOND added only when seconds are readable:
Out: h=9 m=25
